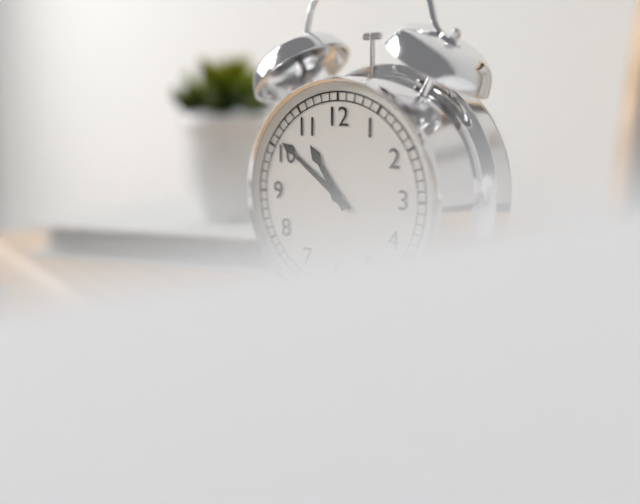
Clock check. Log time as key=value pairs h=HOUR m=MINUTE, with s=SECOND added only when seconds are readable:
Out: h=10 m=51
